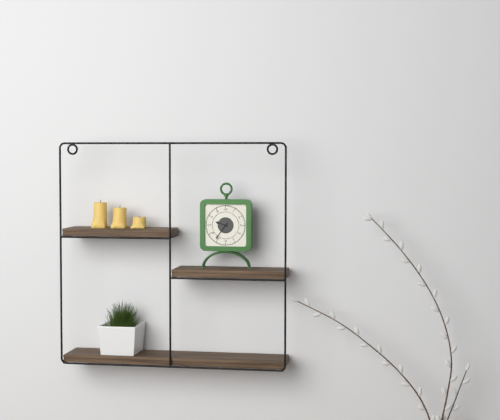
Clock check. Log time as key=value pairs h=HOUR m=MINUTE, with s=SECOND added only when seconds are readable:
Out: h=9 m=36
